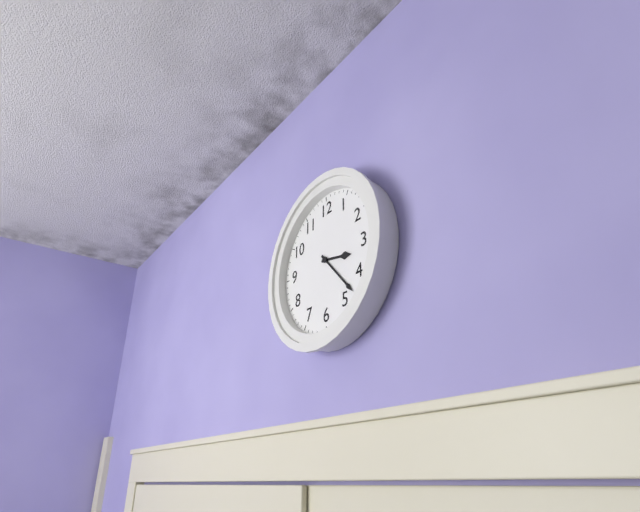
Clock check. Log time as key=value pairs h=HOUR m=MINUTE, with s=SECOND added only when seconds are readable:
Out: h=3 m=23
